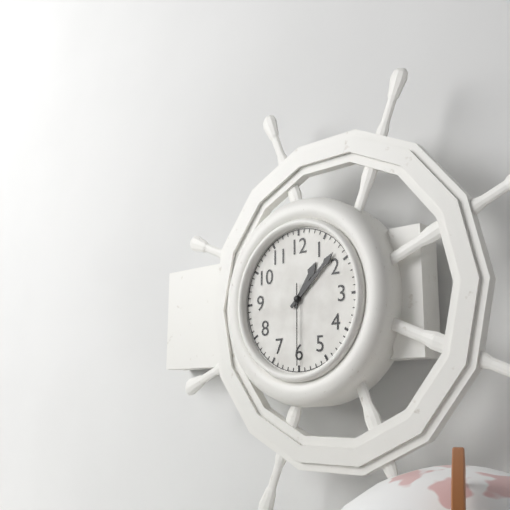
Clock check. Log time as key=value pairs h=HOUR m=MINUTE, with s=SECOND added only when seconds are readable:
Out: h=1 m=8 s=30
